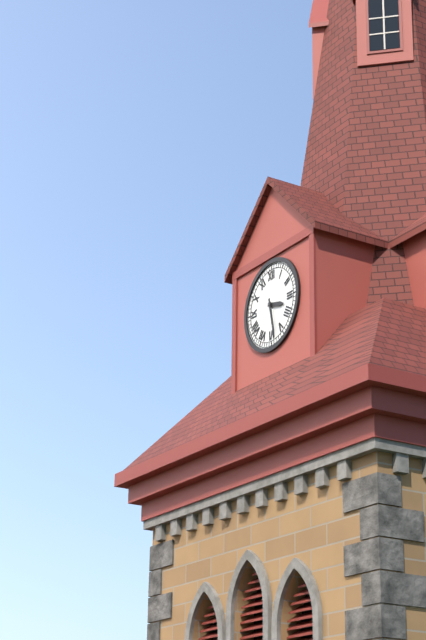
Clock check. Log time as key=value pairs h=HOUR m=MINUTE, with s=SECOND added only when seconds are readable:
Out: h=3 m=28
